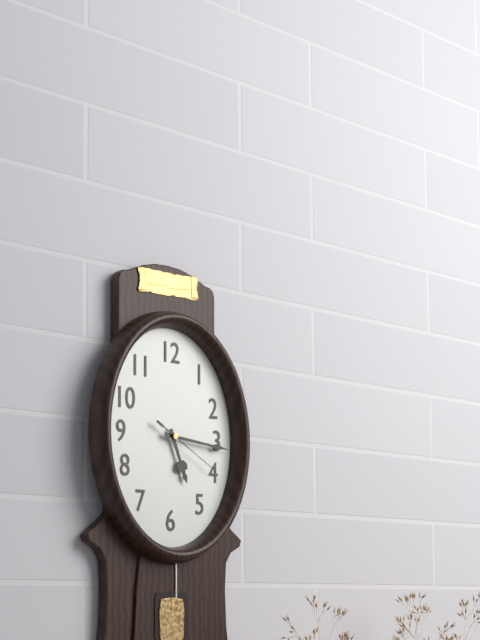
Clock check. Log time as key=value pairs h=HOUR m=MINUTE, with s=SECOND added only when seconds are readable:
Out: h=5 m=16 s=20
